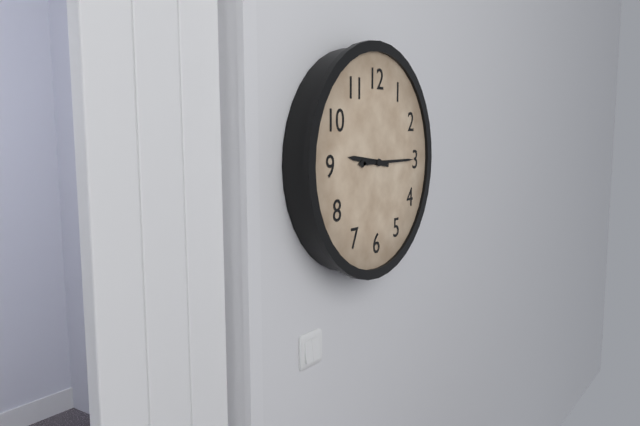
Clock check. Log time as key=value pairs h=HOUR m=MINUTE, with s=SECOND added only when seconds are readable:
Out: h=9 m=15
